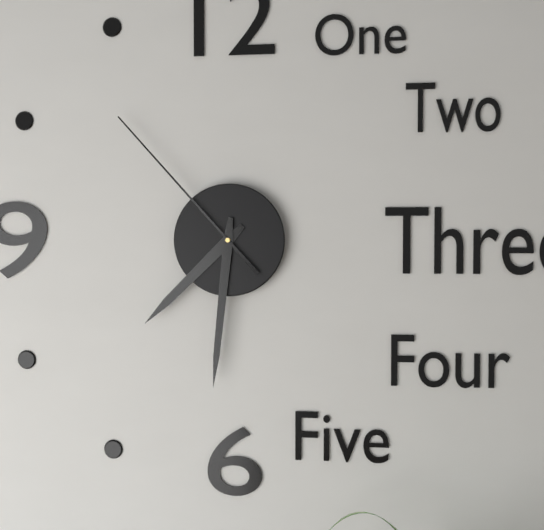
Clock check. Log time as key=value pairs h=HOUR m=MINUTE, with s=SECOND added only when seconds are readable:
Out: h=7 m=31 s=53
